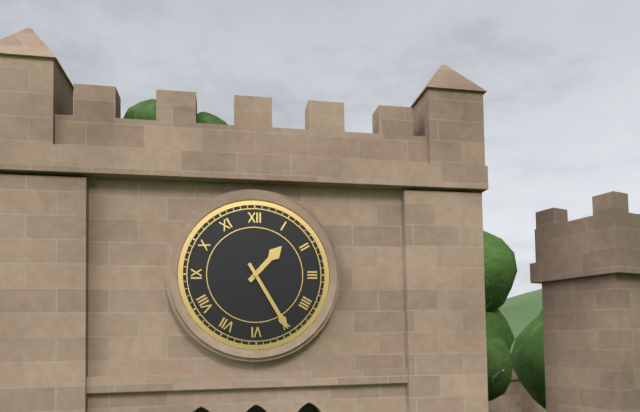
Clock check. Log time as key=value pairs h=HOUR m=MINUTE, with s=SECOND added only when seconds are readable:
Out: h=1 m=25
